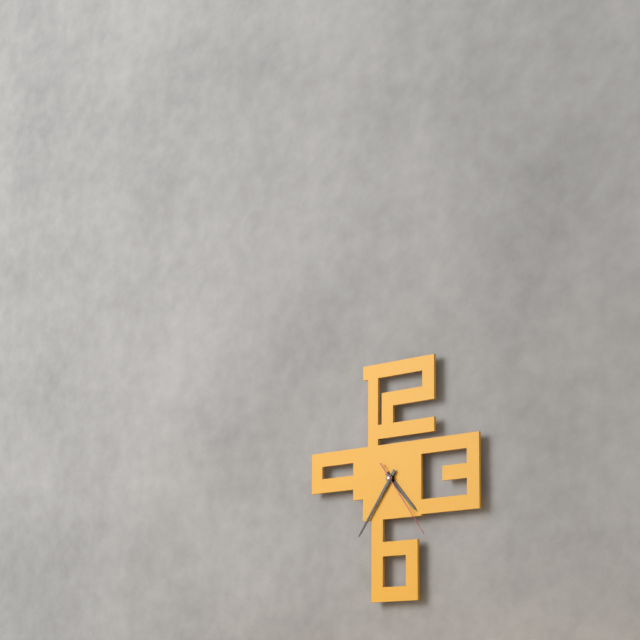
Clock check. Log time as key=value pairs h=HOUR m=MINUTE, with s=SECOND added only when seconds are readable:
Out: h=4 m=36 s=24
